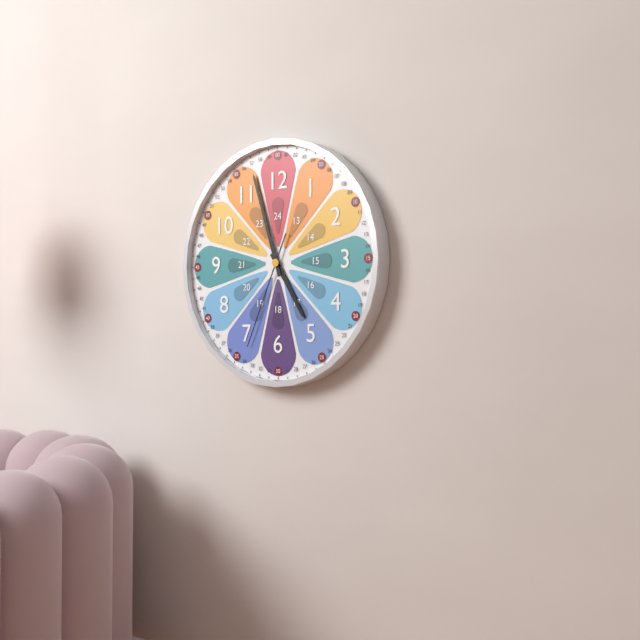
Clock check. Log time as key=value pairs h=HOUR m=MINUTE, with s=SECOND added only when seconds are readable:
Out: h=4 m=57 s=34
